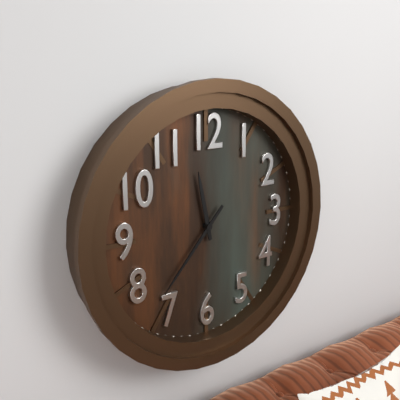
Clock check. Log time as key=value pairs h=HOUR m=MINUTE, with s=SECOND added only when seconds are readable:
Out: h=11 m=37
